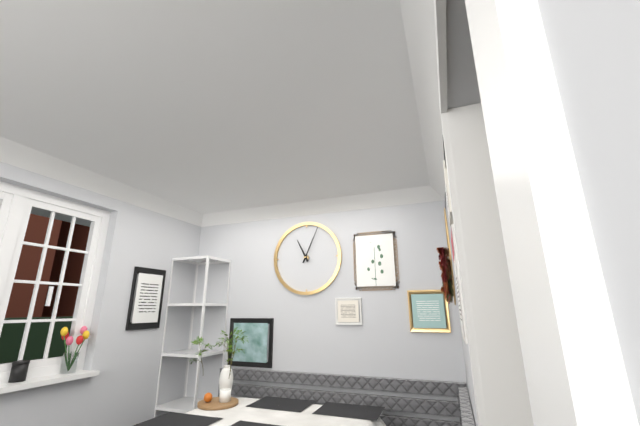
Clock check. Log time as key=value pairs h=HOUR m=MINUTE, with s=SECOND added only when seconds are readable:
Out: h=11 m=4
